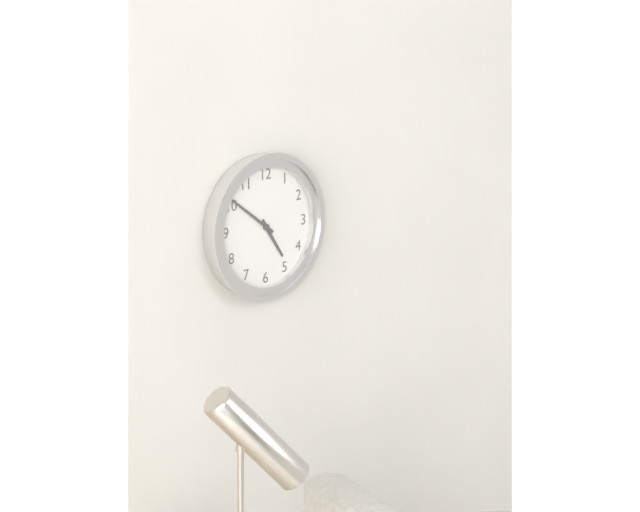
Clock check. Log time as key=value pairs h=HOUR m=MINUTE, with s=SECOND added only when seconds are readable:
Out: h=4 m=51
